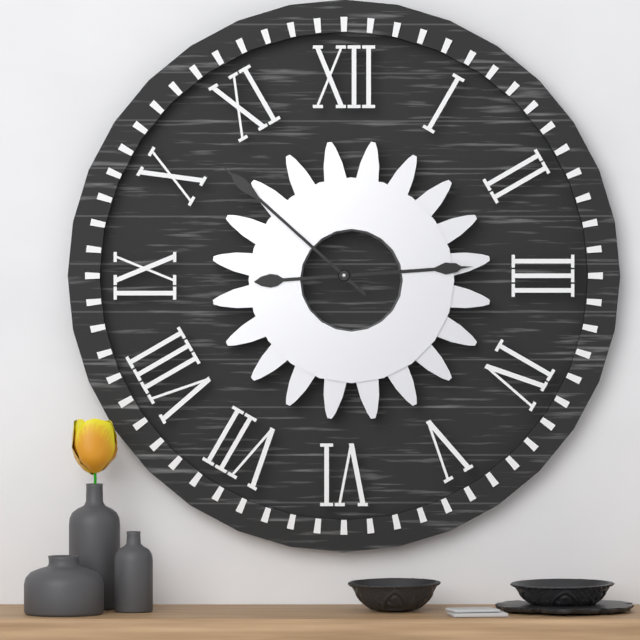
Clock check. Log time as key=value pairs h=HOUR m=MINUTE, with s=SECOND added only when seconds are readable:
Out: h=2 m=52
